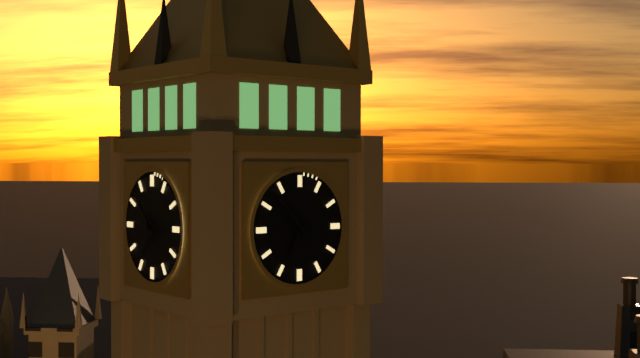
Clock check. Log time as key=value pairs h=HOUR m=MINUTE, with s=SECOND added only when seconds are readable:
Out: h=6 m=53
